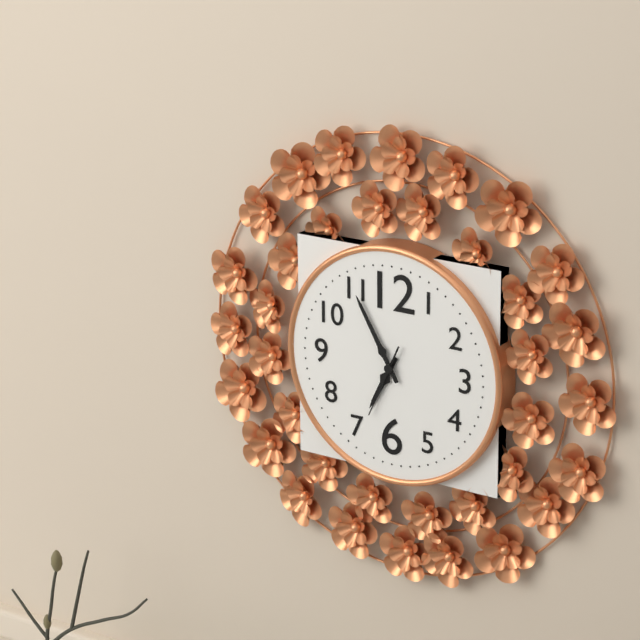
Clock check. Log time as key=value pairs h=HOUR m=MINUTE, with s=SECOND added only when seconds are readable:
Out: h=6 m=55 s=34
